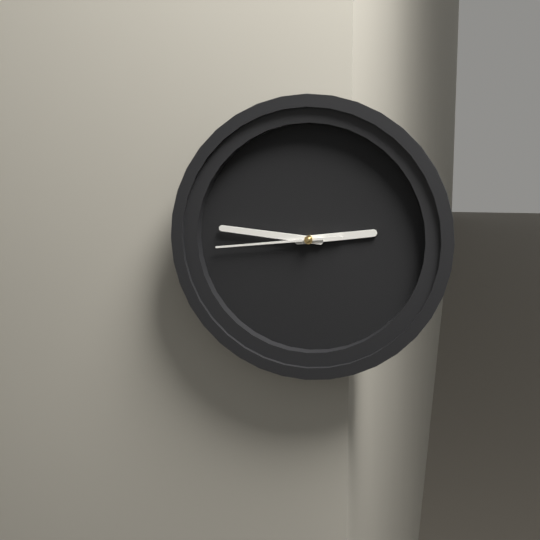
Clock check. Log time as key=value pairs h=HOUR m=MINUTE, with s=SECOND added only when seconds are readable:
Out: h=2 m=46 s=44
